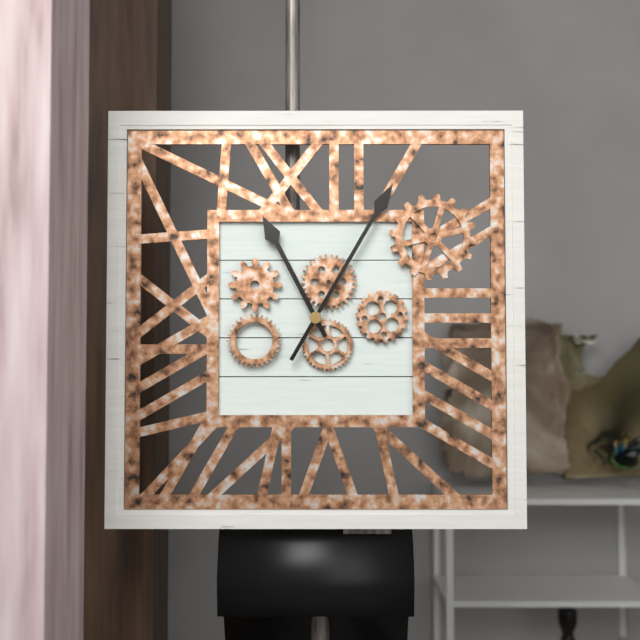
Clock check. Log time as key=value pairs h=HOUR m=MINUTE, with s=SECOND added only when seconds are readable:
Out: h=11 m=5
